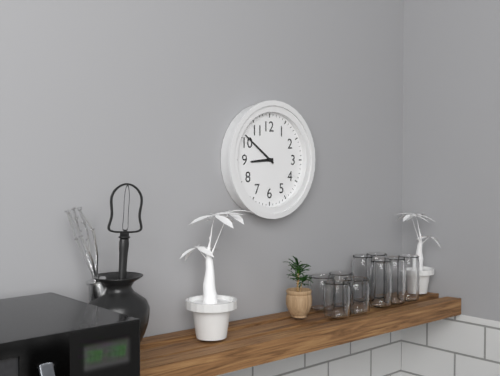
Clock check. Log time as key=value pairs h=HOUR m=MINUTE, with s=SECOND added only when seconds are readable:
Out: h=8 m=51
